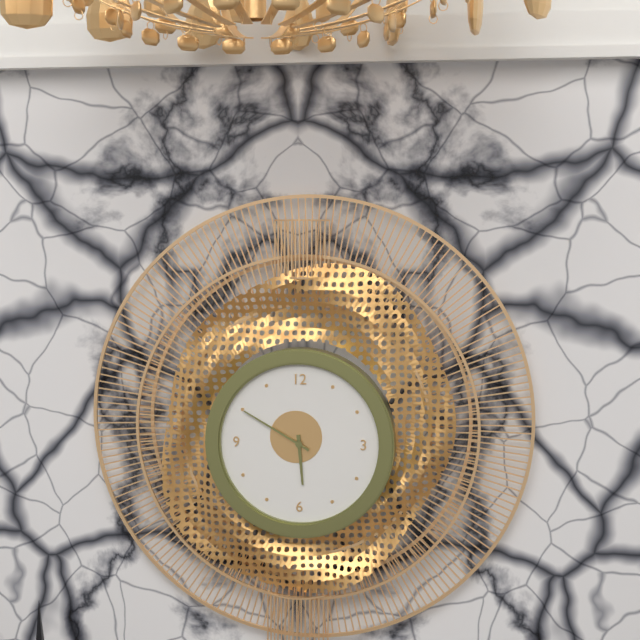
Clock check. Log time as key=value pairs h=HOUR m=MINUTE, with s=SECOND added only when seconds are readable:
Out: h=5 m=50
